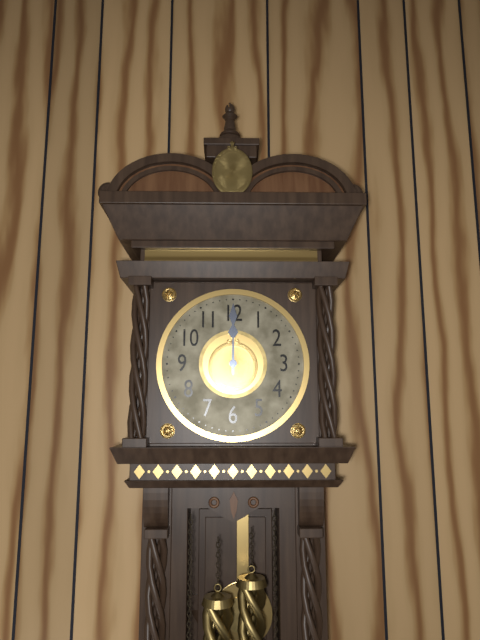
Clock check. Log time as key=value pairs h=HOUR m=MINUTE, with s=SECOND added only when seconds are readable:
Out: h=12 m=0
